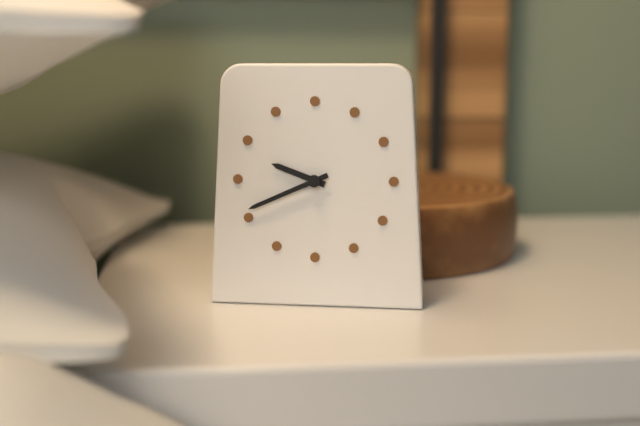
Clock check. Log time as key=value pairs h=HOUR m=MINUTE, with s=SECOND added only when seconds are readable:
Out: h=9 m=41
